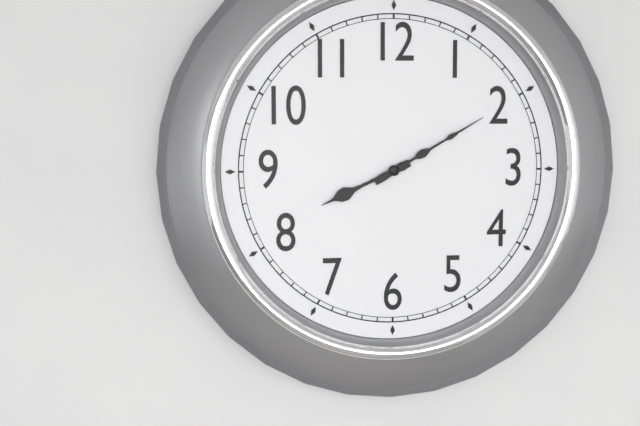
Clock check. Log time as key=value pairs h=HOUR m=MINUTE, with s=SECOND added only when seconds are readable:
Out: h=8 m=10
